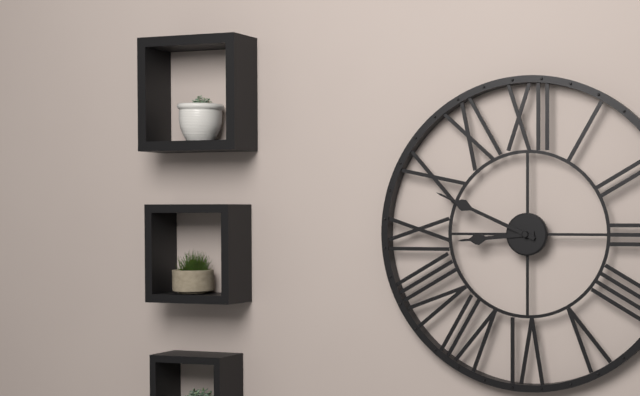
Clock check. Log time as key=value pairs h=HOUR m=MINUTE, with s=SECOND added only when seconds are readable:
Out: h=8 m=49
